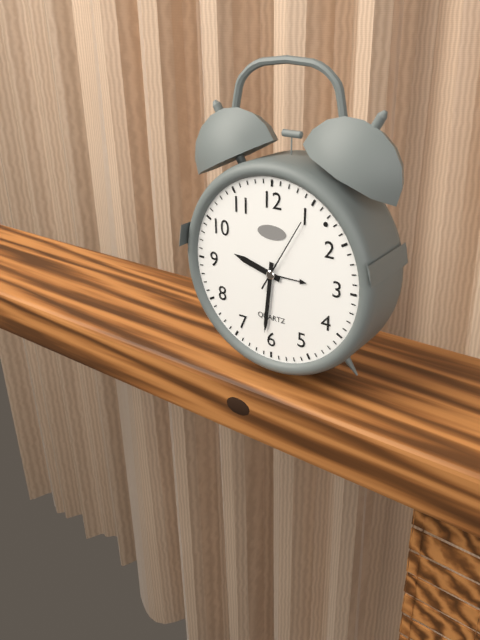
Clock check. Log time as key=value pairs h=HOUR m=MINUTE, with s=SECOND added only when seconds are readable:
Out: h=9 m=31 s=5
